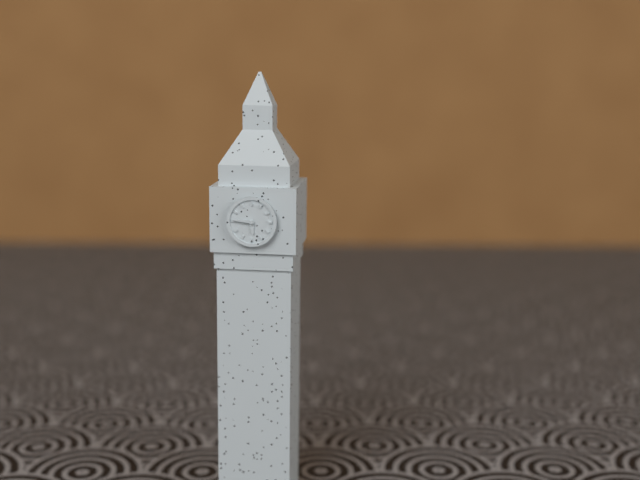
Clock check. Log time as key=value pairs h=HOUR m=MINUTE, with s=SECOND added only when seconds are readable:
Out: h=5 m=46
